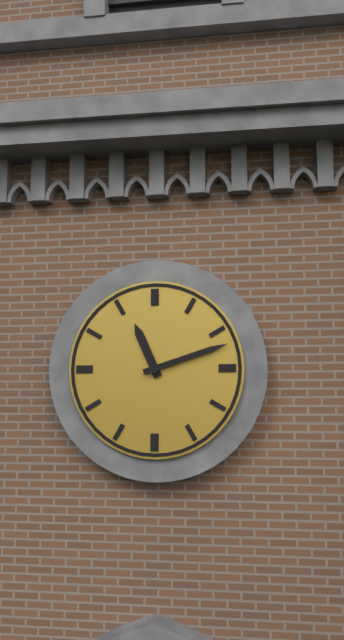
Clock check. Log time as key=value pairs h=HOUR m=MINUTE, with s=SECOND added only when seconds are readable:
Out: h=11 m=12
